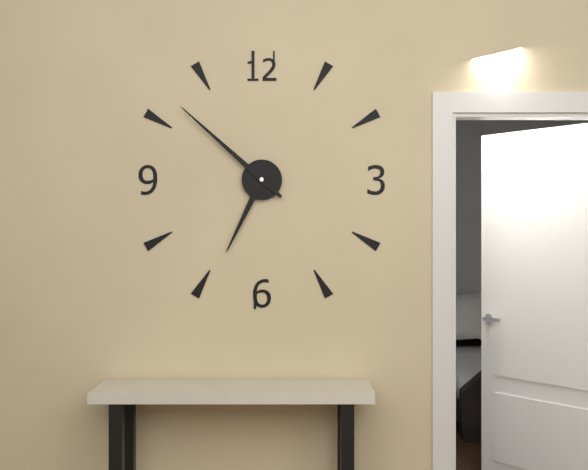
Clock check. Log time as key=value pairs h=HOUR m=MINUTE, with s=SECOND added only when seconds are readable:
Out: h=6 m=52
